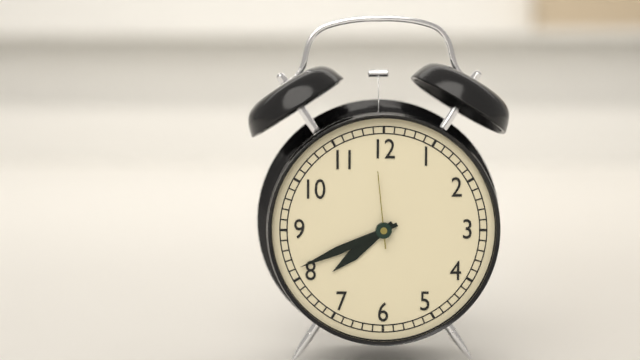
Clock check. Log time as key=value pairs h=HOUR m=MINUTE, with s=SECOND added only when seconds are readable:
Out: h=7 m=41 s=59
